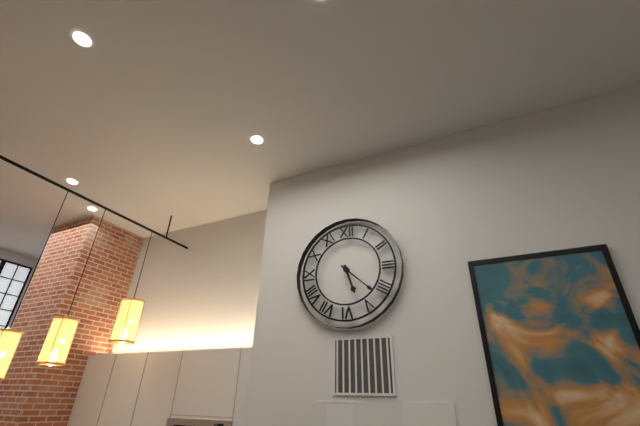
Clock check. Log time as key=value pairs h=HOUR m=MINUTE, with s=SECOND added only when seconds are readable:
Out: h=5 m=22
